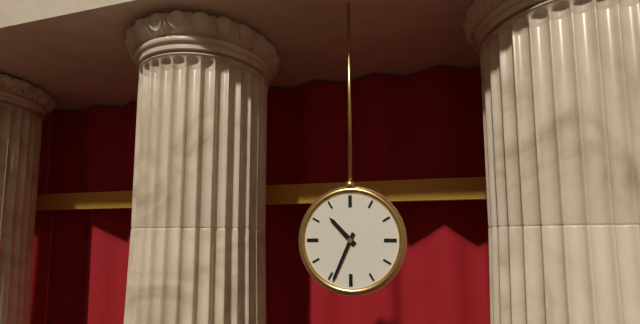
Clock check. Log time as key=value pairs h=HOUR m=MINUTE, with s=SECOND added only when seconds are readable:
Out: h=10 m=34
